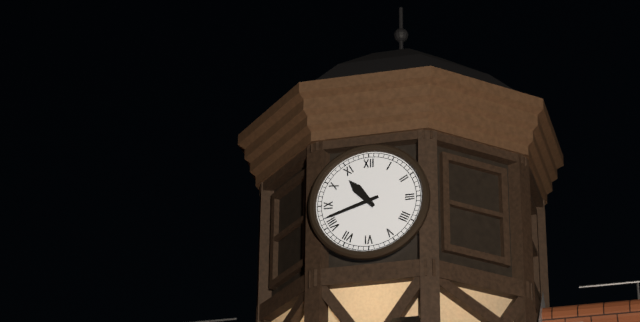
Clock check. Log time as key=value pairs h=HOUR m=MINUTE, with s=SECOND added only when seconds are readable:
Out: h=10 m=42
